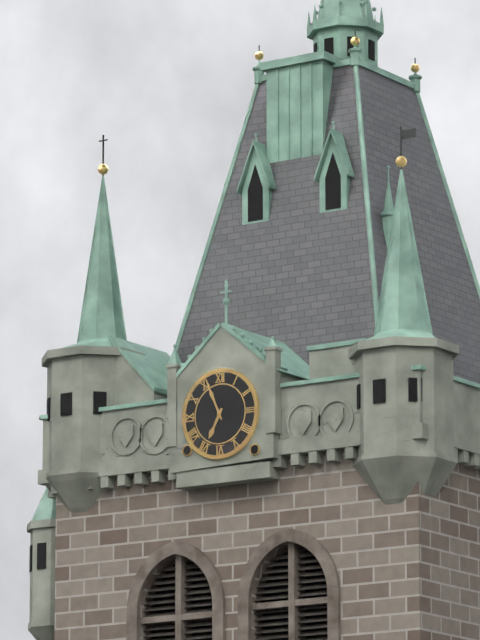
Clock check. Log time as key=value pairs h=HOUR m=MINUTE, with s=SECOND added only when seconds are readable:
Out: h=6 m=56
